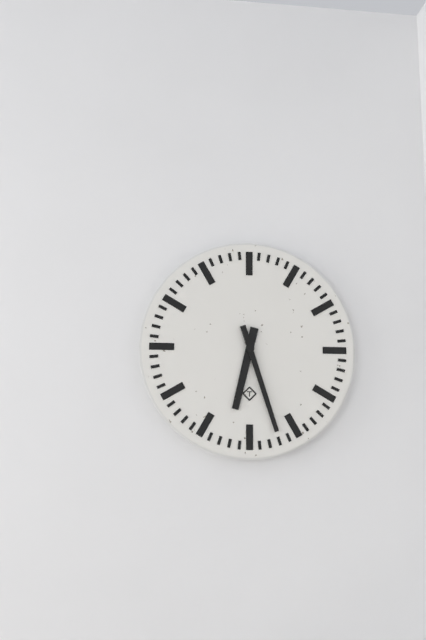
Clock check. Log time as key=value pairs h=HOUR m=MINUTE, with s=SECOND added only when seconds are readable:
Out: h=6 m=27
